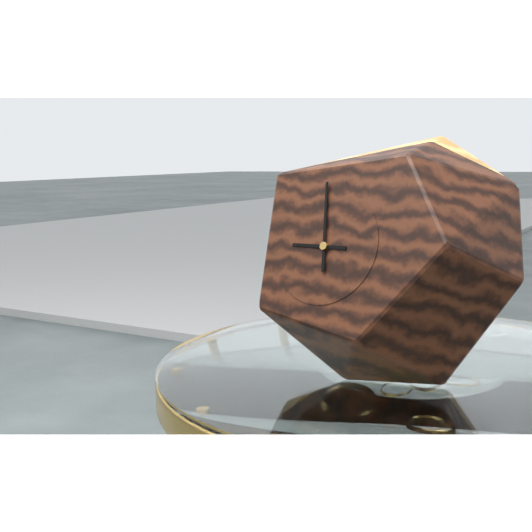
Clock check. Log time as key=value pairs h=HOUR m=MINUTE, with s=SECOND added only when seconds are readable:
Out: h=8 m=58
